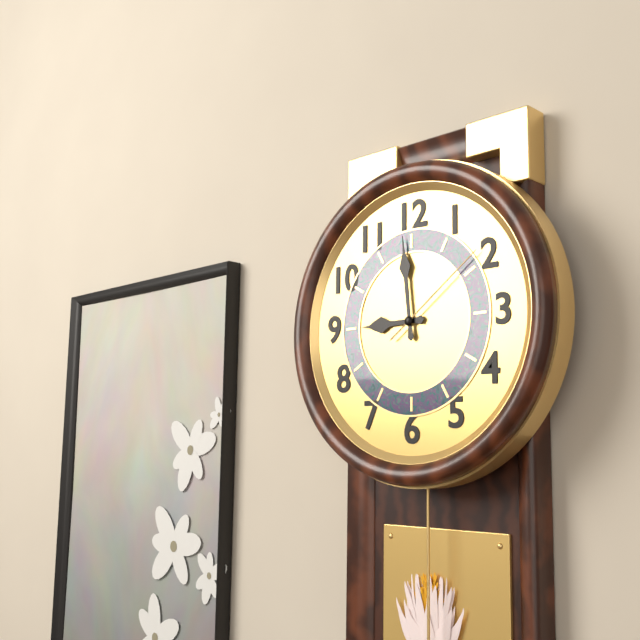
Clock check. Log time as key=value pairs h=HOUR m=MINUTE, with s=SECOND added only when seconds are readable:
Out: h=8 m=59 s=9
